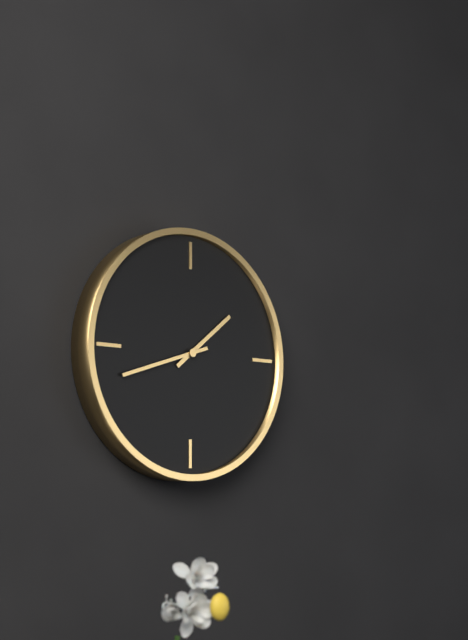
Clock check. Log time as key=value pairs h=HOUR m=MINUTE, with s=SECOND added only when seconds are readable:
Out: h=1 m=42
